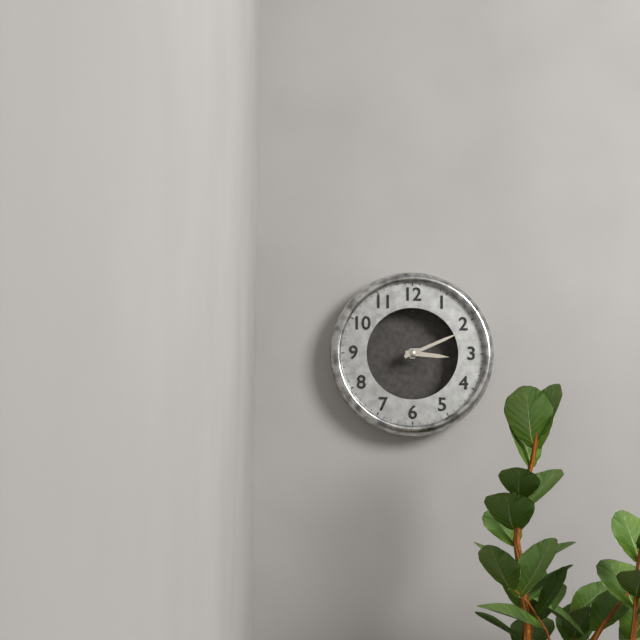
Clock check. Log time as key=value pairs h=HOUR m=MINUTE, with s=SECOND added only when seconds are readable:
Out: h=3 m=11
